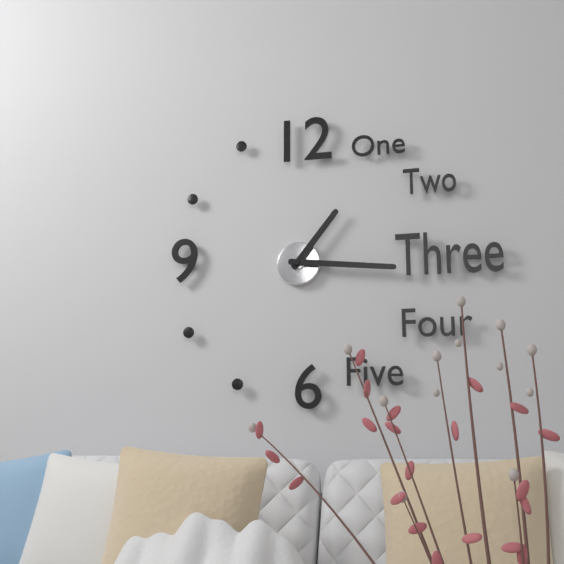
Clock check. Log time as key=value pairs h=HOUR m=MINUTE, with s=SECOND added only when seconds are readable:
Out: h=1 m=16
